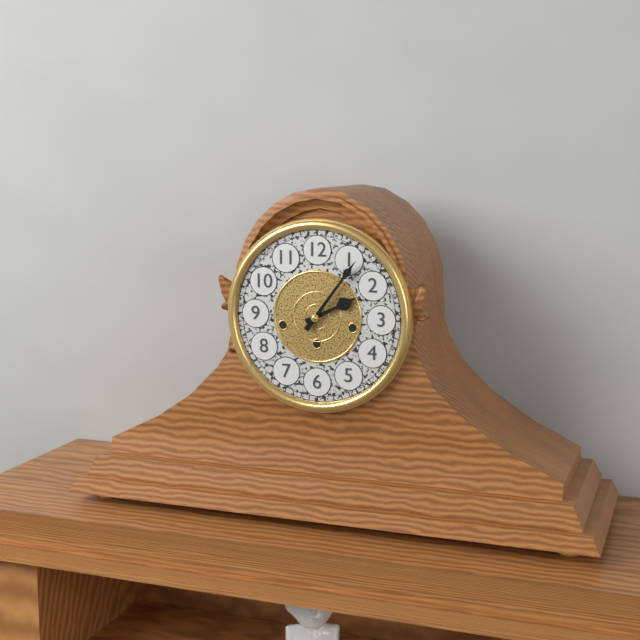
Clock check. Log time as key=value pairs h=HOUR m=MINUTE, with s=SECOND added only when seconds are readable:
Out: h=2 m=6
